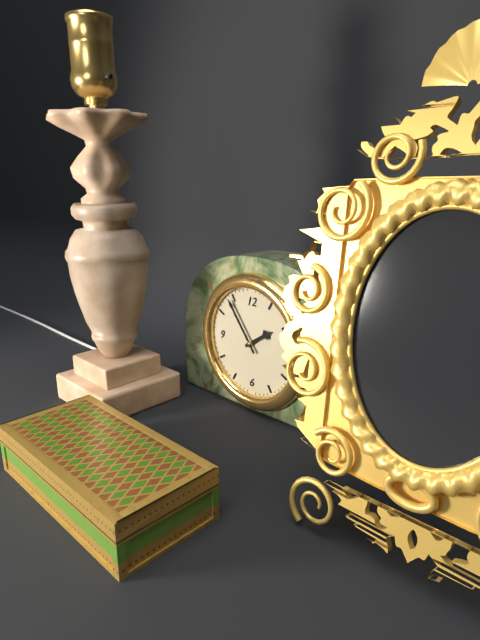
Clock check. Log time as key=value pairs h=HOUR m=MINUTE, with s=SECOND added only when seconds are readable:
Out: h=1 m=54
